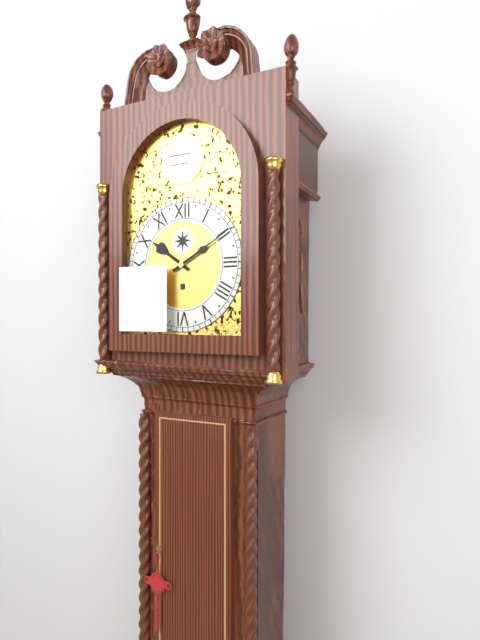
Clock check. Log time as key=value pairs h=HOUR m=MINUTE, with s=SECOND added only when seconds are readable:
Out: h=10 m=10
